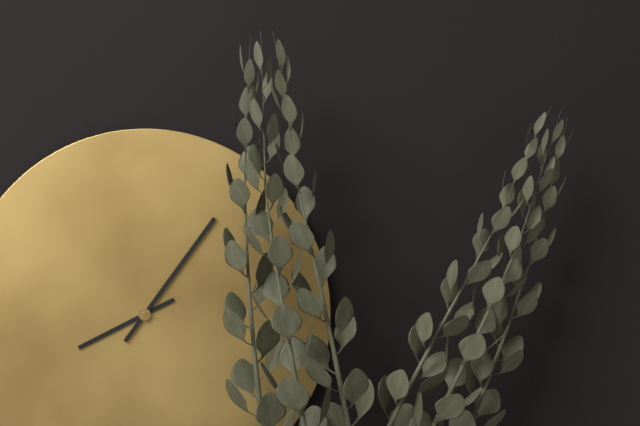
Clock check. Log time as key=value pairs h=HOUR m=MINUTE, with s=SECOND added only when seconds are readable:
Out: h=8 m=6
